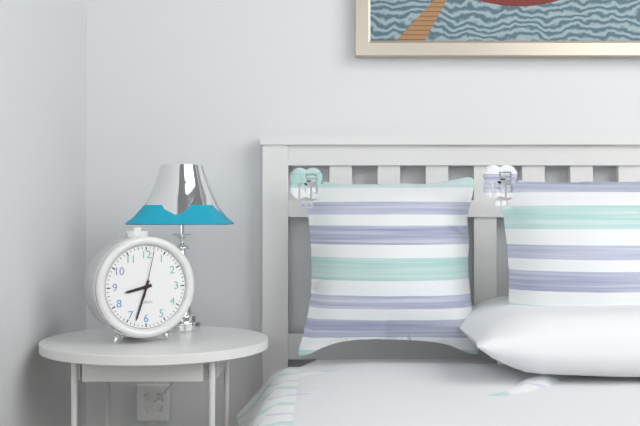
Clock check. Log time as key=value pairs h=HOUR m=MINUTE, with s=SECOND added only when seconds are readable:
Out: h=8 m=33
